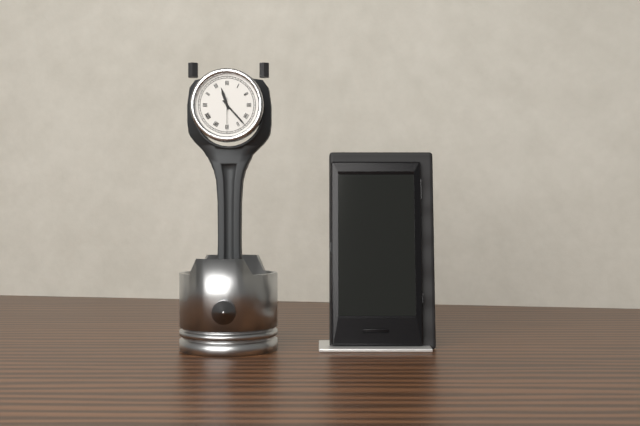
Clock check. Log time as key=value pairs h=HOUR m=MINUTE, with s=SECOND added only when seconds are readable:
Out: h=11 m=23
